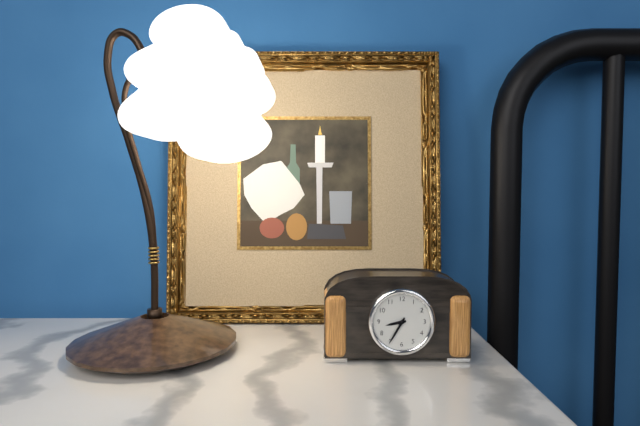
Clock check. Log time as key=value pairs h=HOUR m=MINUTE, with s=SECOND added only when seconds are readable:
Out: h=8 m=35
